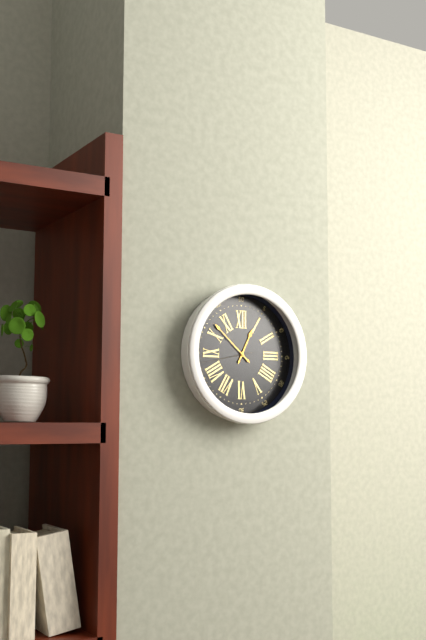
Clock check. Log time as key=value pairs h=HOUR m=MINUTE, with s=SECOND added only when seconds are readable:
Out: h=12 m=52 s=43
